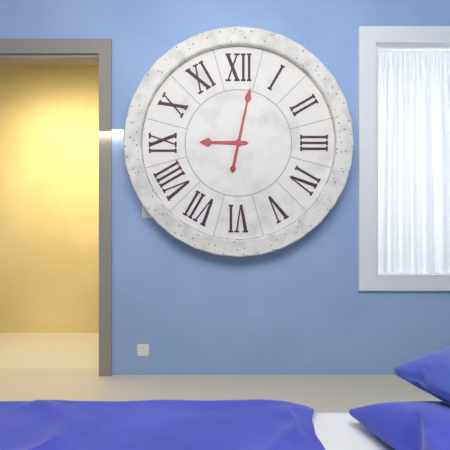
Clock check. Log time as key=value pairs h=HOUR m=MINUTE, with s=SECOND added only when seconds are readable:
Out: h=9 m=2
